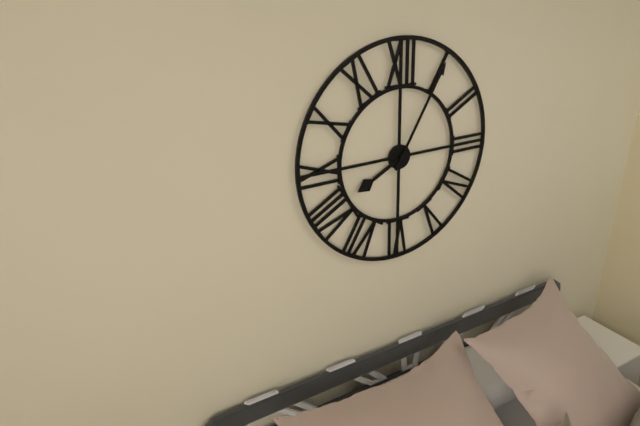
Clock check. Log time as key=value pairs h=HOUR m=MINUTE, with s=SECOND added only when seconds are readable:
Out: h=8 m=5
